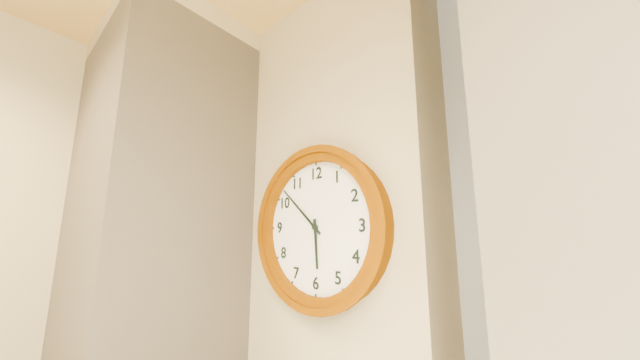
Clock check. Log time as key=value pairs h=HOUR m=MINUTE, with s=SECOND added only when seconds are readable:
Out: h=5 m=52
